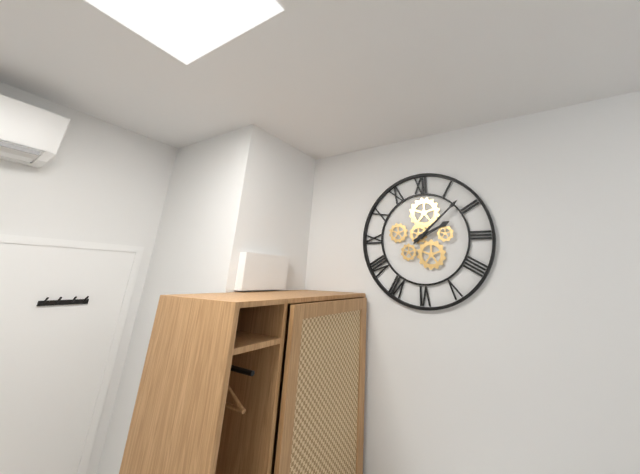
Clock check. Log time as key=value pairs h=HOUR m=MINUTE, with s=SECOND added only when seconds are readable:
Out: h=2 m=8
